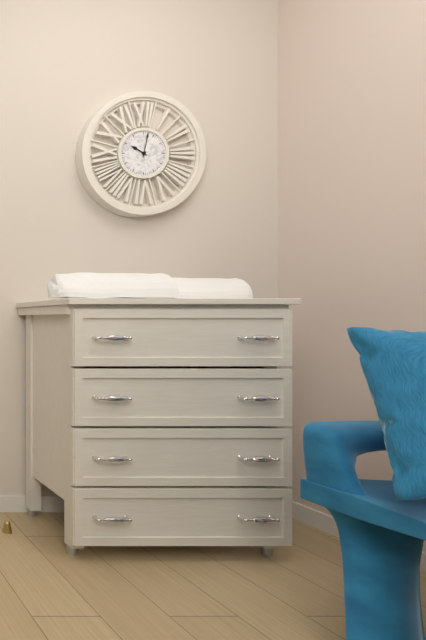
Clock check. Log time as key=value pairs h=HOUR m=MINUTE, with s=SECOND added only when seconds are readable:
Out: h=10 m=2
